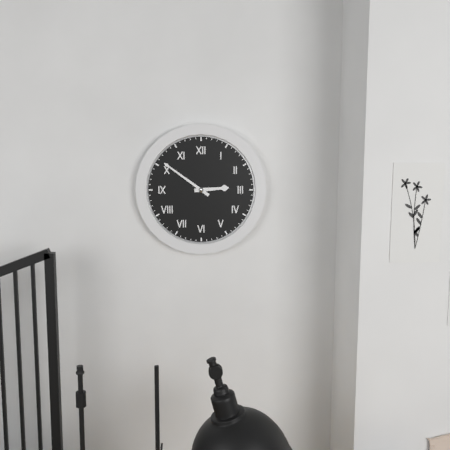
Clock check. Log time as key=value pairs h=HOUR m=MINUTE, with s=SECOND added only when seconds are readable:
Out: h=2 m=51
